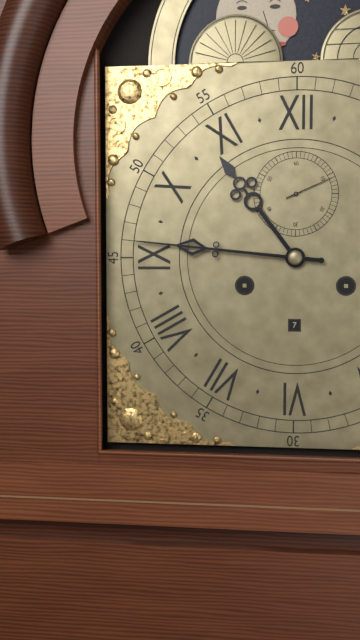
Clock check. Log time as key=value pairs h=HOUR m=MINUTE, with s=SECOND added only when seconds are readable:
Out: h=10 m=46 s=11
